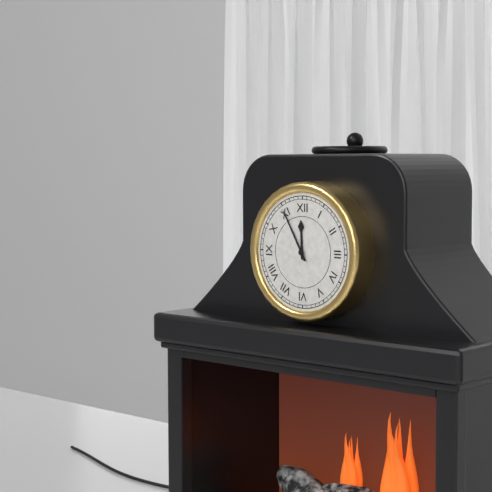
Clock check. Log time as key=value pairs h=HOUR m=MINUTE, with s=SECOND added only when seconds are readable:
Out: h=11 m=55
